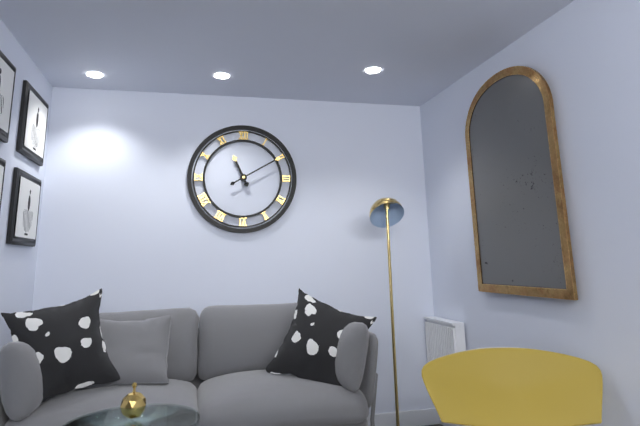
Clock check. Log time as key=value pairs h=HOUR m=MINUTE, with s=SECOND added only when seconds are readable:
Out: h=11 m=10
